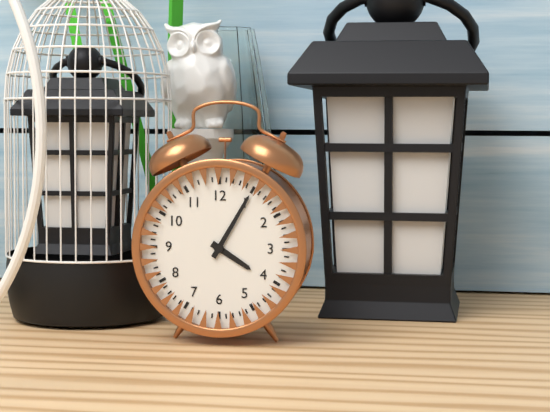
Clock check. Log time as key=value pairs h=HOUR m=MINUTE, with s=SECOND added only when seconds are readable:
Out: h=4 m=5
